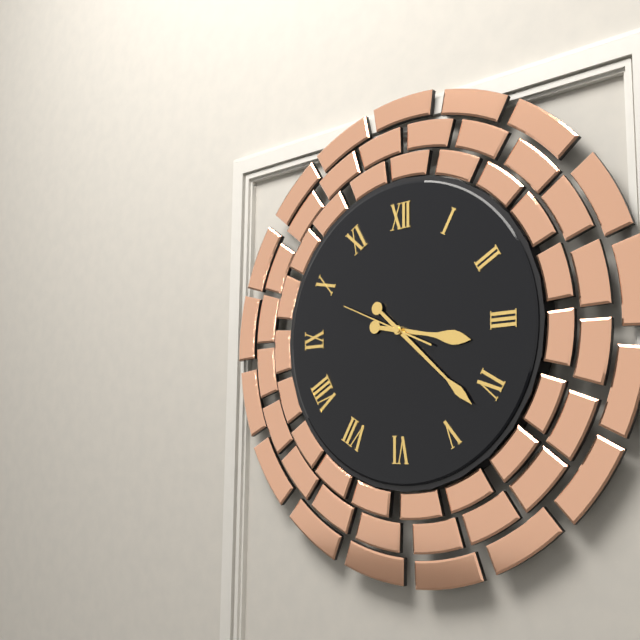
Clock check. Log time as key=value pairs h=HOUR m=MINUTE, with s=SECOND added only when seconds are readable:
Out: h=3 m=22 s=49
